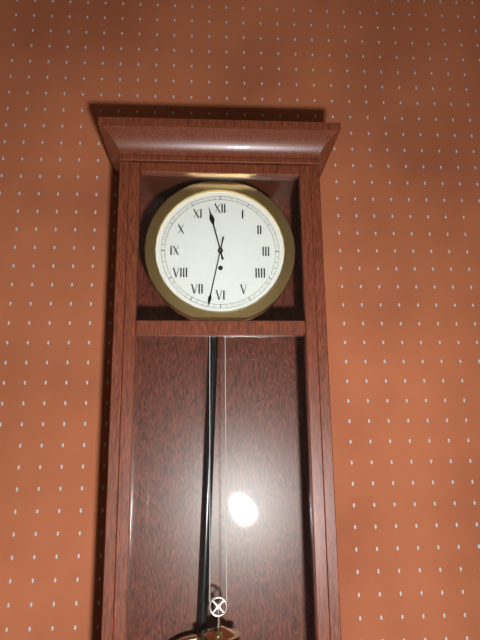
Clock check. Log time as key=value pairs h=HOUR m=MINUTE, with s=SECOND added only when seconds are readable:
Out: h=11 m=32
